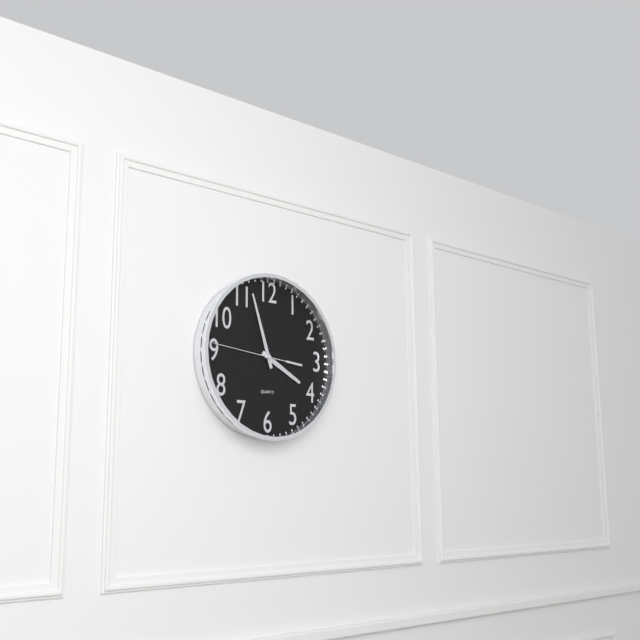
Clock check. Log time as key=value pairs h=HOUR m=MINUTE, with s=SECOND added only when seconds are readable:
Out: h=3 m=57 s=46
